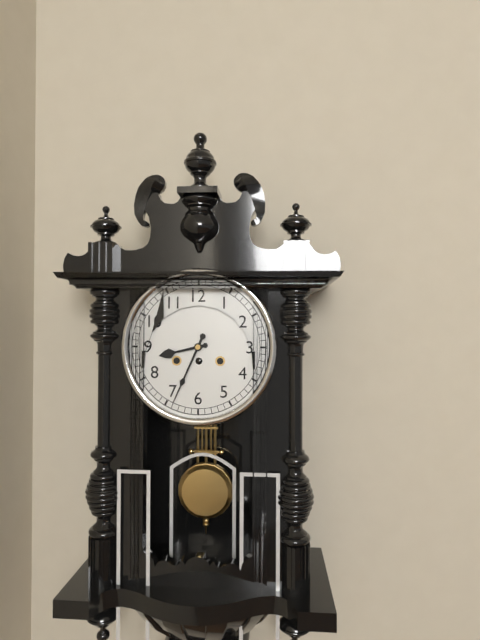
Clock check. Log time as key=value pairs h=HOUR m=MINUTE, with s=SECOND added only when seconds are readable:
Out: h=8 m=34
